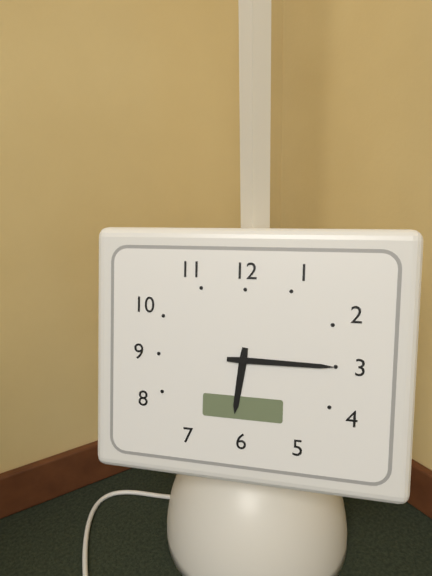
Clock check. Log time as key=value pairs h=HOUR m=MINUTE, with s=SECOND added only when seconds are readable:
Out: h=6 m=15
